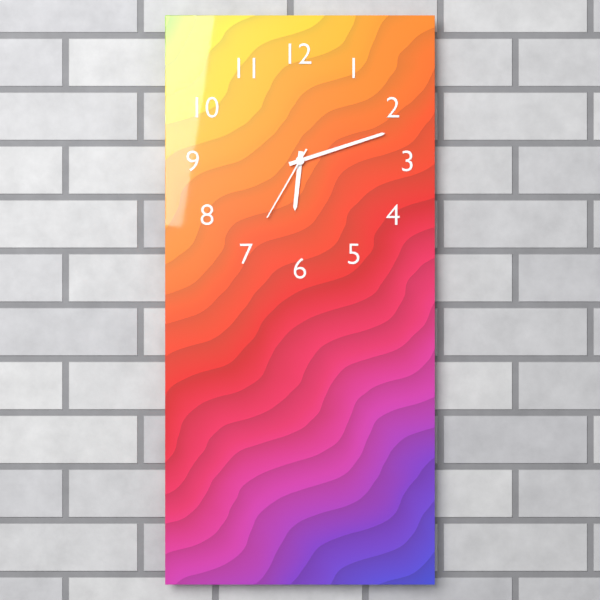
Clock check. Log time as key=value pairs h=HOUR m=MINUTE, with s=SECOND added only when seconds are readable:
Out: h=6 m=12 s=35
